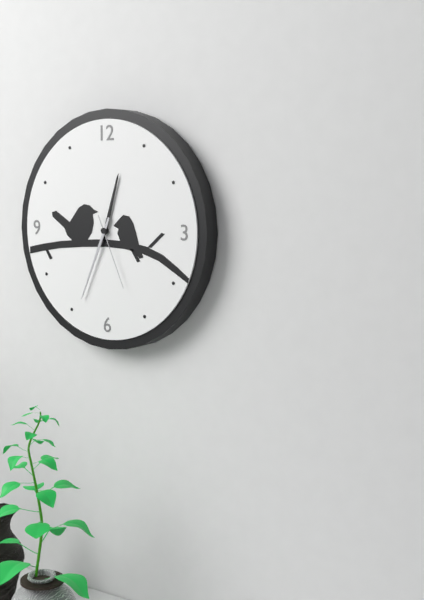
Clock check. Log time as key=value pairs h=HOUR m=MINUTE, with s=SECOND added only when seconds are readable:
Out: h=12 m=34 s=26
